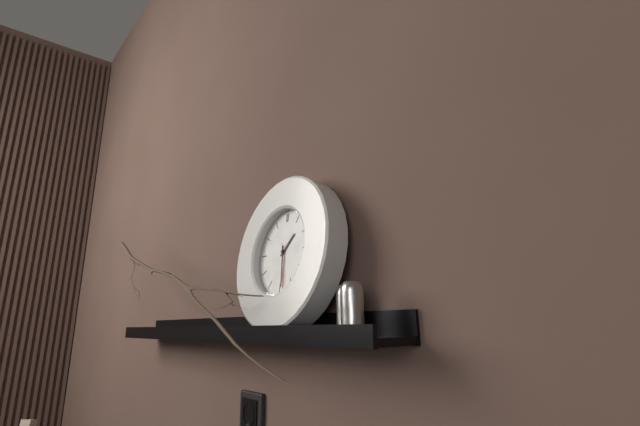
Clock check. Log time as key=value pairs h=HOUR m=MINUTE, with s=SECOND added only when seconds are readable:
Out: h=1 m=29
